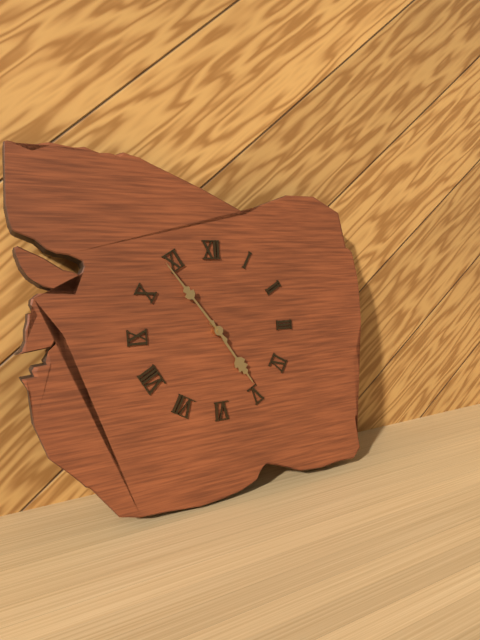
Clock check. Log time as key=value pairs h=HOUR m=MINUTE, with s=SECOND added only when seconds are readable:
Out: h=4 m=54
